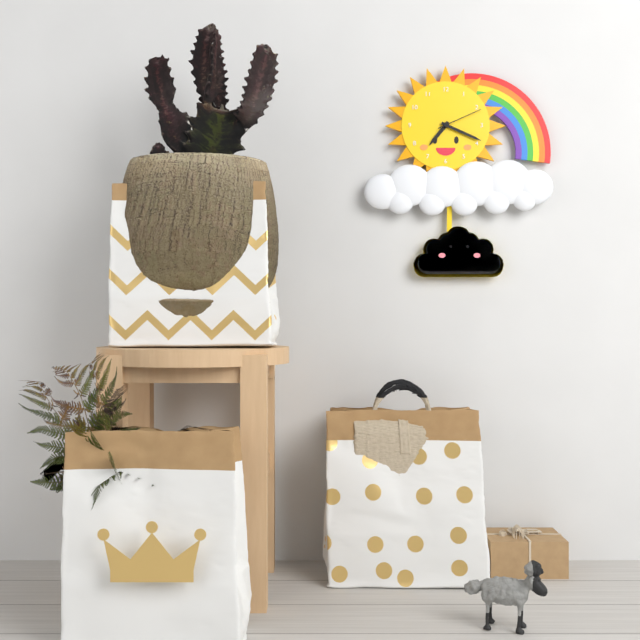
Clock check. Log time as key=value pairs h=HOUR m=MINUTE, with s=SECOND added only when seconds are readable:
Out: h=7 m=19
